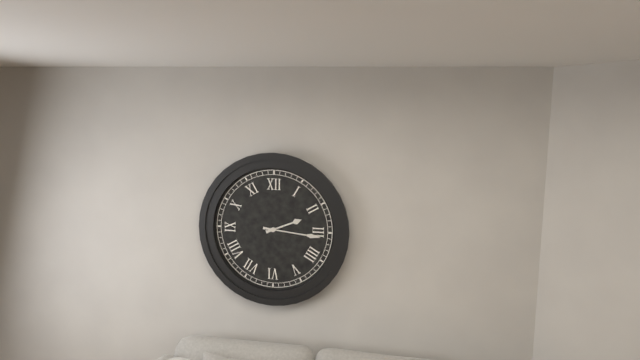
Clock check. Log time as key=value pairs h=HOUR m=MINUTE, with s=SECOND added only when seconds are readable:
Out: h=2 m=16
